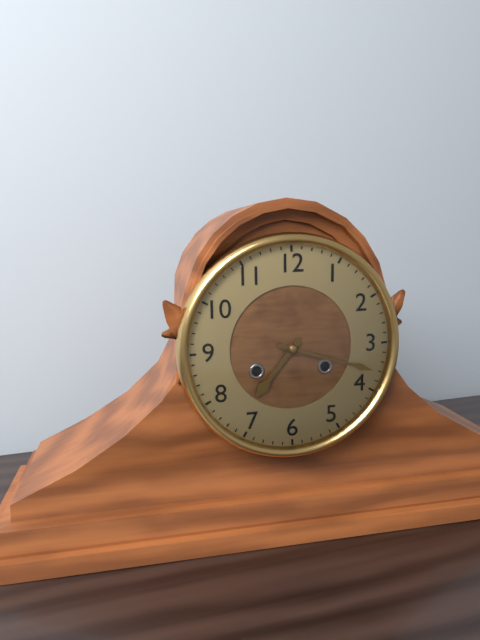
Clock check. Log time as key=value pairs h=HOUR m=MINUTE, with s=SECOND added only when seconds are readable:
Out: h=7 m=18
